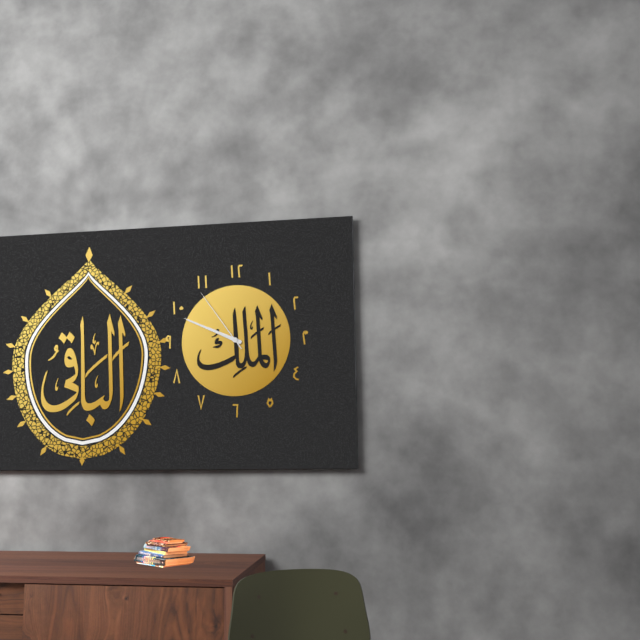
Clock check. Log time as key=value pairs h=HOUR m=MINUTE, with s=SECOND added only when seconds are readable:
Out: h=9 m=49 s=54
